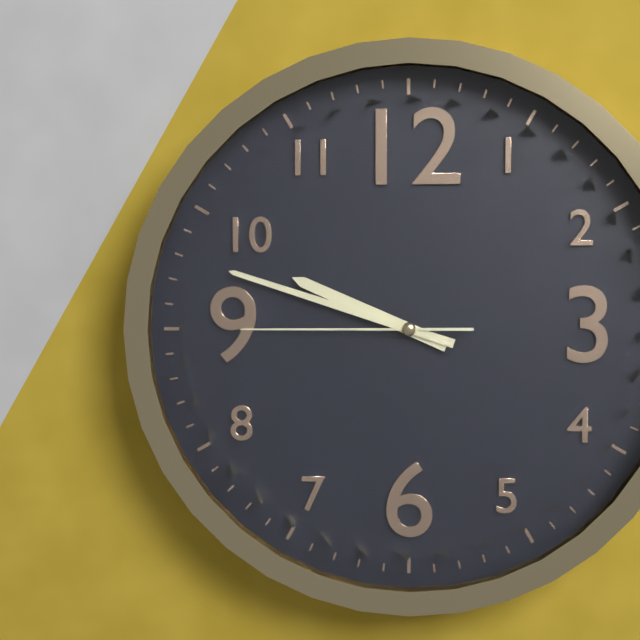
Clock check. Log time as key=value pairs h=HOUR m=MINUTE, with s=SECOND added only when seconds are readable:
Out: h=9 m=48 s=45
